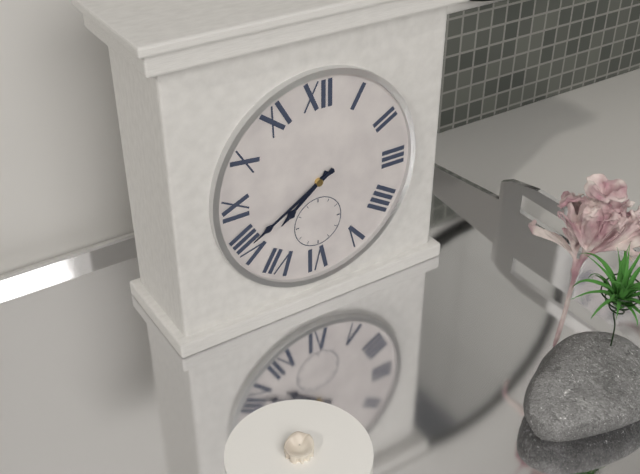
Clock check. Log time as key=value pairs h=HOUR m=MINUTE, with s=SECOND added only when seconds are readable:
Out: h=7 m=40
